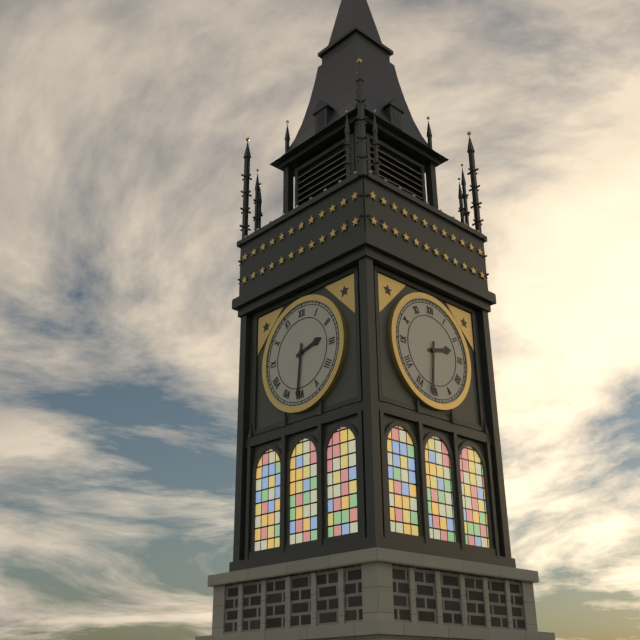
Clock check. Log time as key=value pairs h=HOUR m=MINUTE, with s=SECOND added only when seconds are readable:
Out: h=2 m=31
